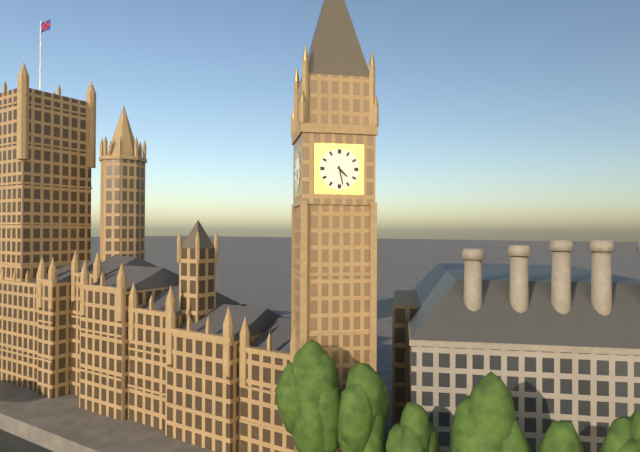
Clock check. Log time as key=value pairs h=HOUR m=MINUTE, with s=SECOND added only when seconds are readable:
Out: h=4 m=28
